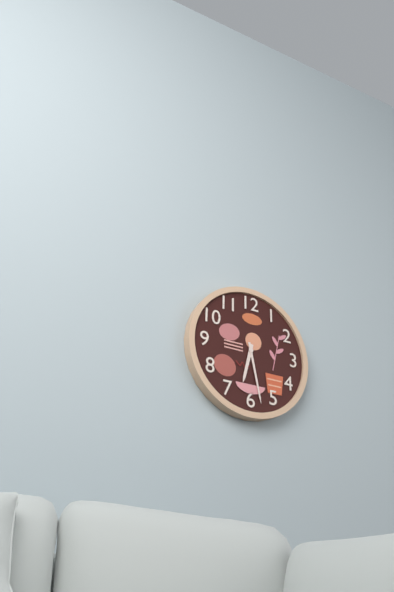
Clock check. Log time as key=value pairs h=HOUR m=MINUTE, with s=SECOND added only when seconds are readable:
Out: h=6 m=28
